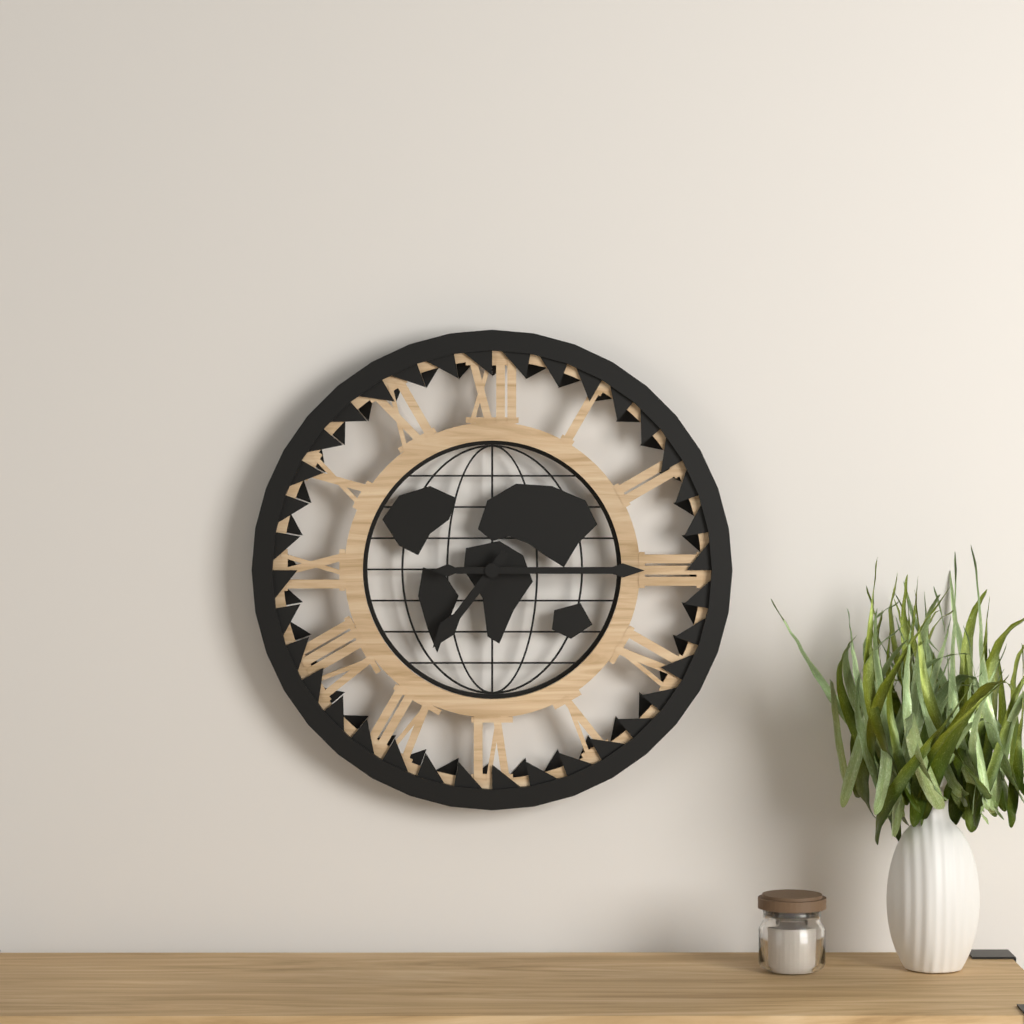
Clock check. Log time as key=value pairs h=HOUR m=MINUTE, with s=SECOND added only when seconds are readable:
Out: h=7 m=15
